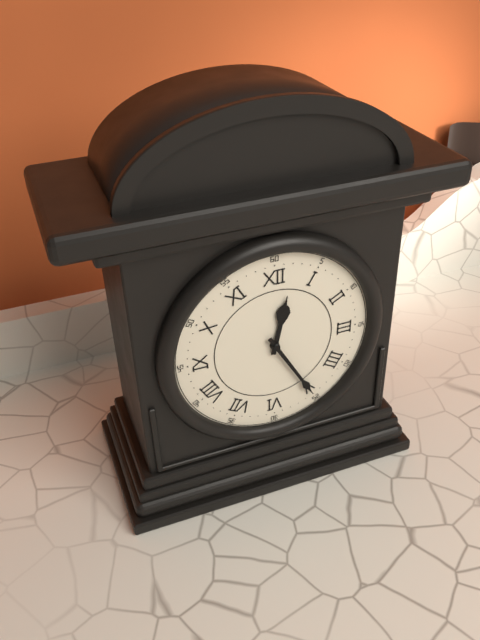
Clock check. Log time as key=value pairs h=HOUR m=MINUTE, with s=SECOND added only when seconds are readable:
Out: h=12 m=25
